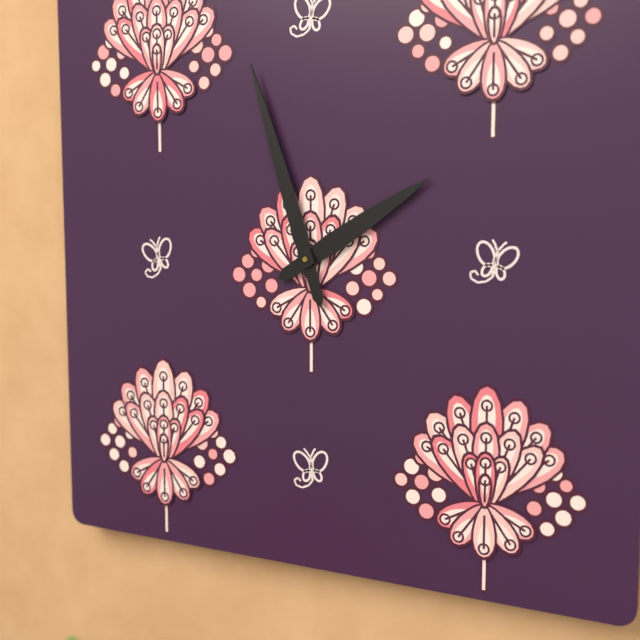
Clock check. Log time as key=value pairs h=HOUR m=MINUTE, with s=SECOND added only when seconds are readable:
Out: h=1 m=57
